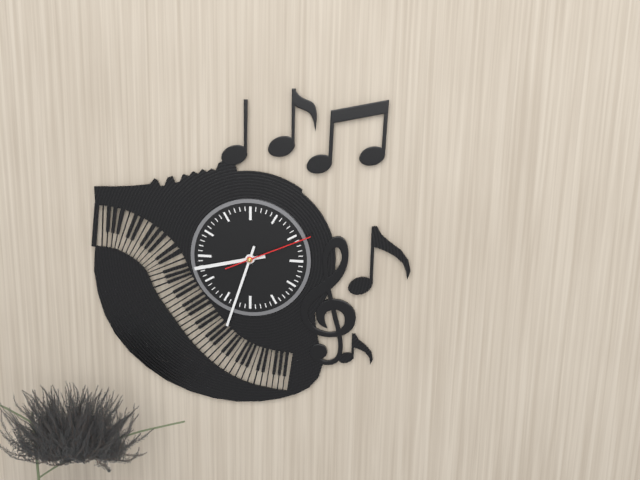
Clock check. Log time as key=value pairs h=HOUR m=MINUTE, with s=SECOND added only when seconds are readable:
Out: h=8 m=33 s=11
